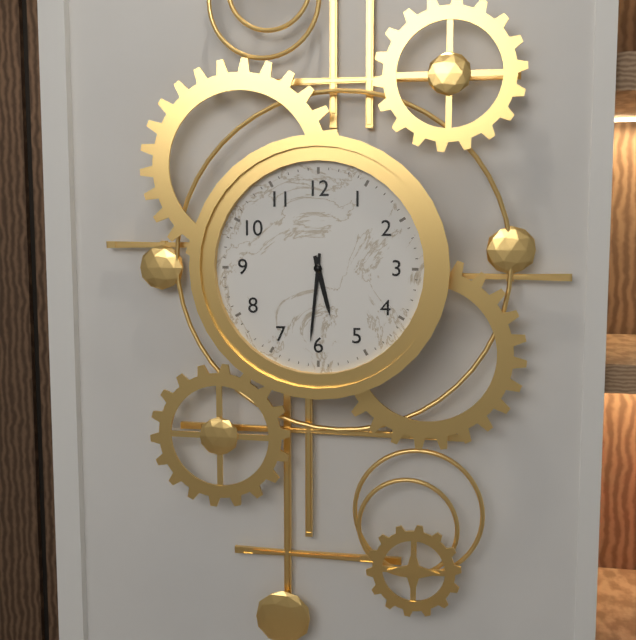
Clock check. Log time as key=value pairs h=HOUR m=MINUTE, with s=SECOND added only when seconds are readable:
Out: h=5 m=31
